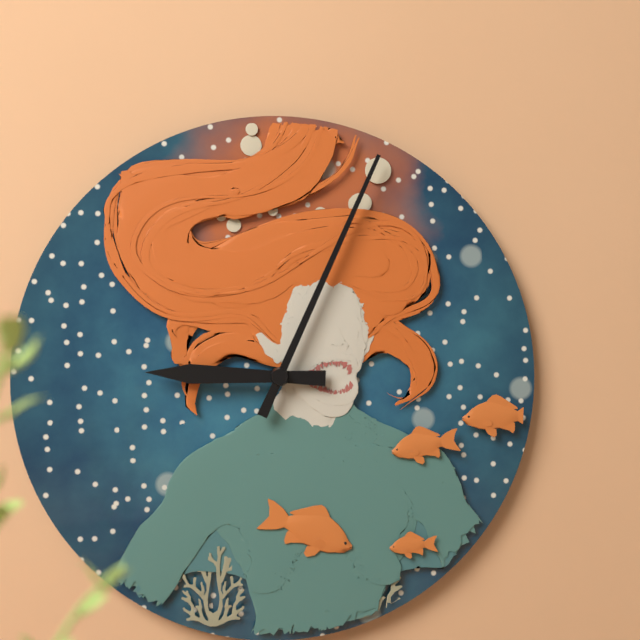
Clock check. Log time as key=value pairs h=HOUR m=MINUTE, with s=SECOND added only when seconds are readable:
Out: h=9 m=4
